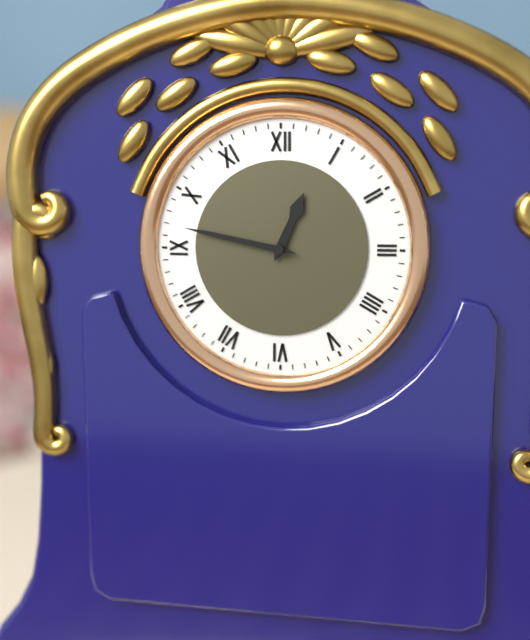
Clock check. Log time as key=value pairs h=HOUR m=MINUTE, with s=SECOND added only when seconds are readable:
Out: h=12 m=47
